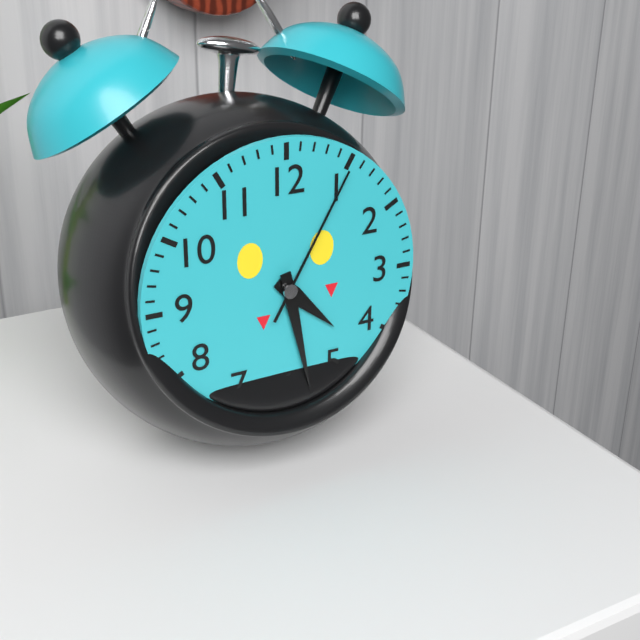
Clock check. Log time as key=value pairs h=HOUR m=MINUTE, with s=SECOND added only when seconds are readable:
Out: h=4 m=28 s=5
